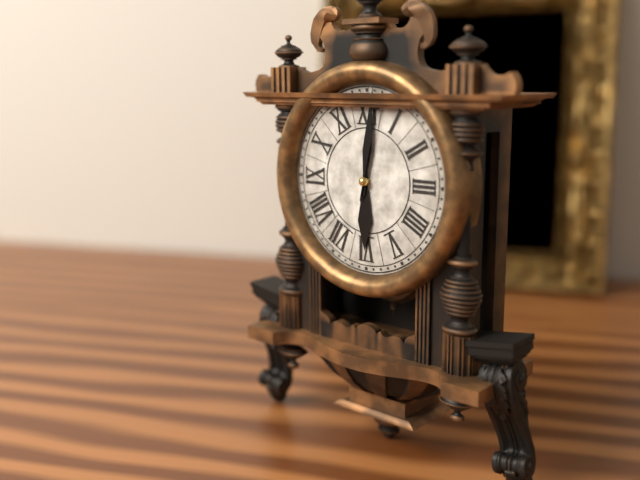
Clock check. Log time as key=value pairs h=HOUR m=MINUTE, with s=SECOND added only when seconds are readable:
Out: h=6 m=1 s=2
